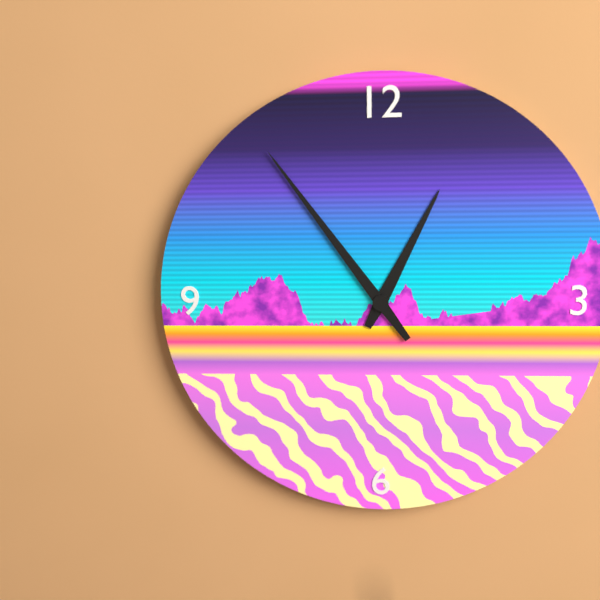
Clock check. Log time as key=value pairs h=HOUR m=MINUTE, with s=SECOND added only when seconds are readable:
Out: h=12 m=54
